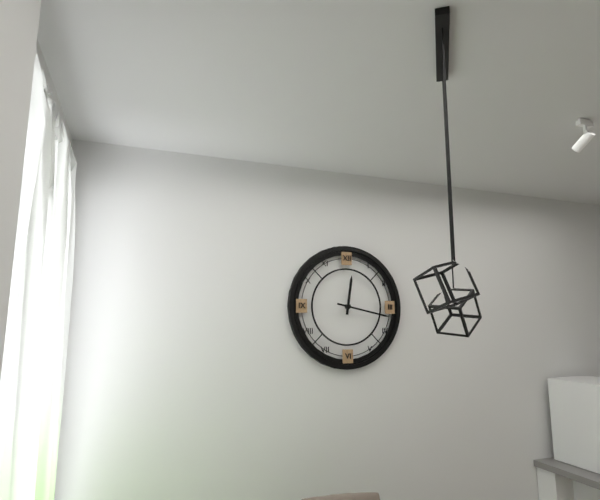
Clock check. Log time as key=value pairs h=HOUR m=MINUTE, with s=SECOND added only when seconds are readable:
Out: h=12 m=17
